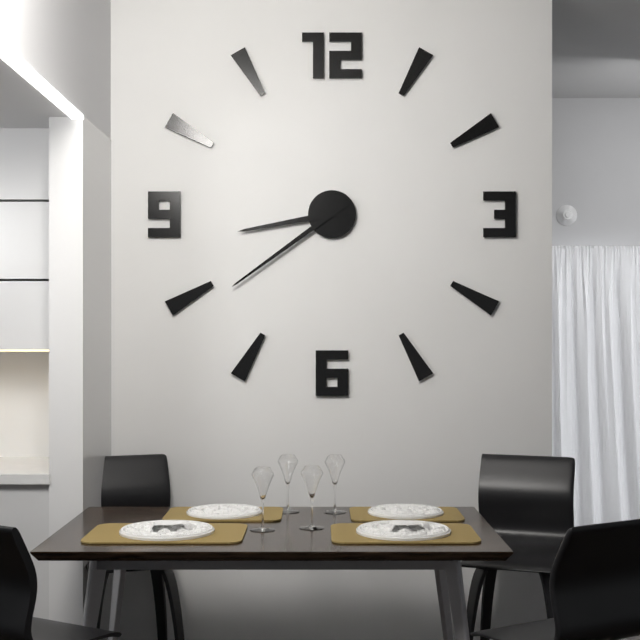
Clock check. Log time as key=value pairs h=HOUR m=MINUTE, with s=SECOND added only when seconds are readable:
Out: h=8 m=39
